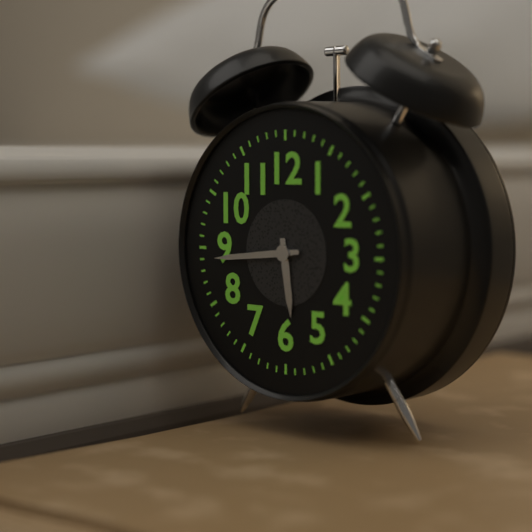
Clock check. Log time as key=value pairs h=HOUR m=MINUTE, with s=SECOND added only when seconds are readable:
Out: h=5 m=44
